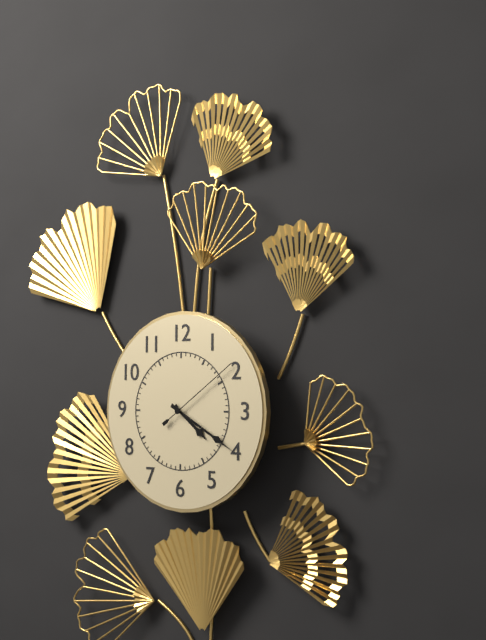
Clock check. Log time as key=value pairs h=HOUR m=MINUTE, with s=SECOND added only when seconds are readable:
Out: h=4 m=20 s=9
